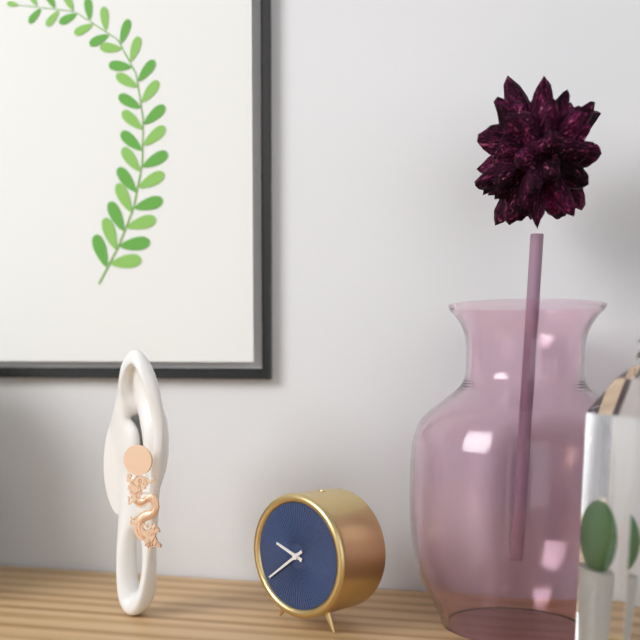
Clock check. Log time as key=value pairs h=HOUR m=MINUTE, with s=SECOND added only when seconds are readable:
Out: h=9 m=39
